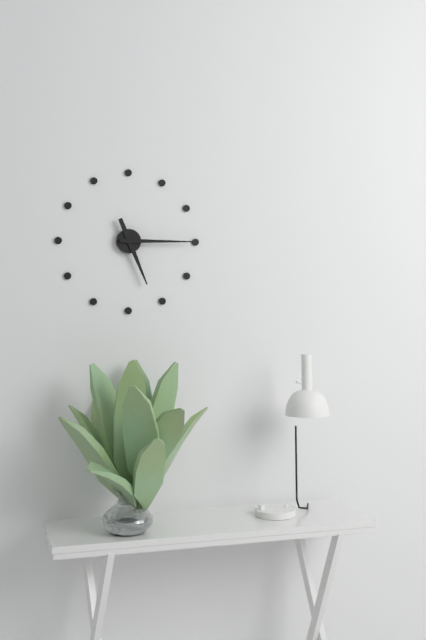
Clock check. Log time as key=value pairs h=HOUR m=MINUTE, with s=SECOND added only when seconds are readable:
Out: h=5 m=15
